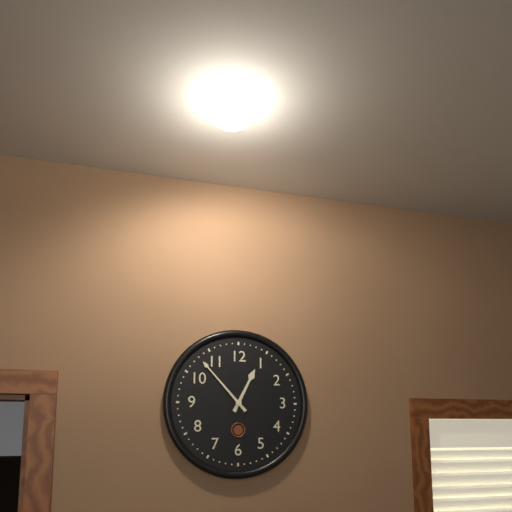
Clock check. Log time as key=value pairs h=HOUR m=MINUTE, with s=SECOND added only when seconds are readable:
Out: h=12 m=53
